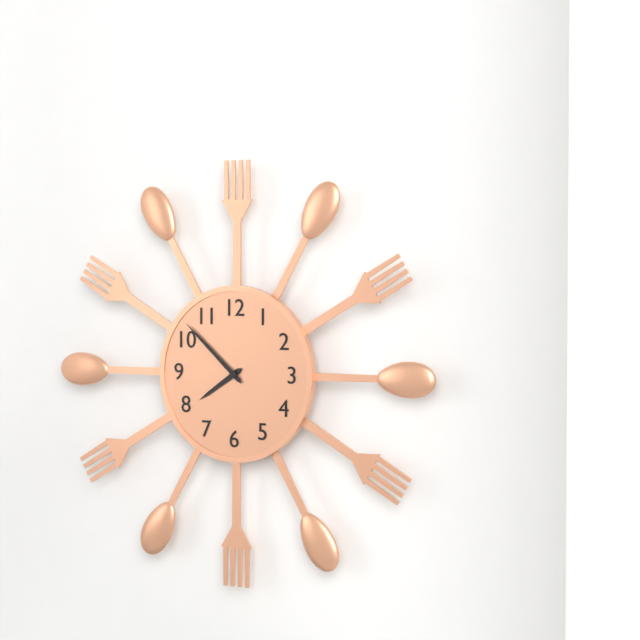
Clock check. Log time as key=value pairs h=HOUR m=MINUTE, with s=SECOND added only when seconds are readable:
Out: h=7 m=52
